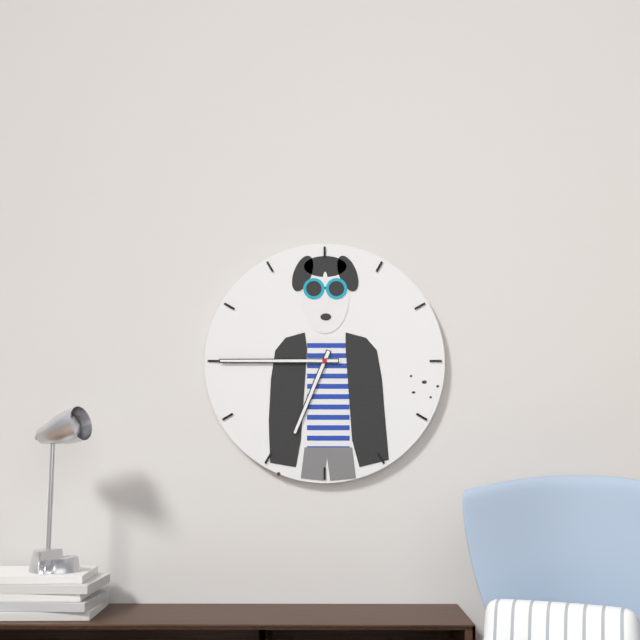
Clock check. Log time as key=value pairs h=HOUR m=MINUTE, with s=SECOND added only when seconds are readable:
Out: h=6 m=45
